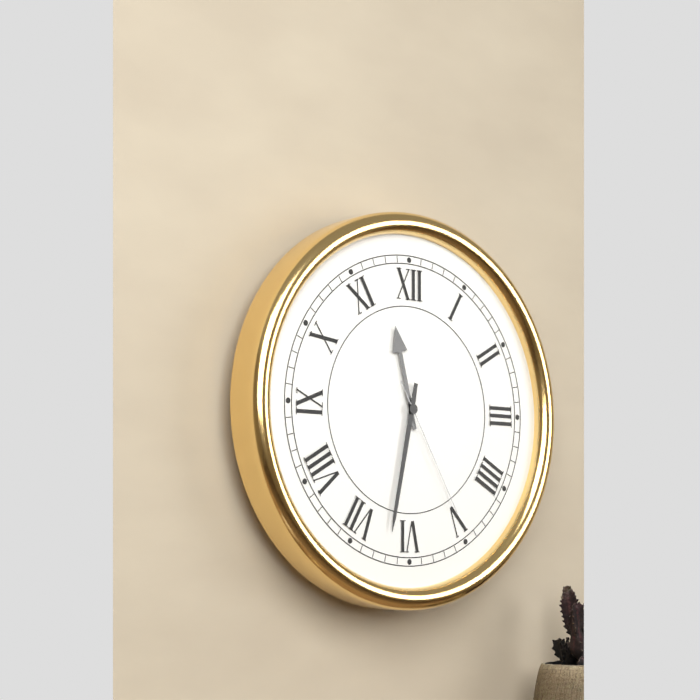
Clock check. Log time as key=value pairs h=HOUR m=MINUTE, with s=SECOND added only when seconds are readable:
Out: h=11 m=32 s=25
